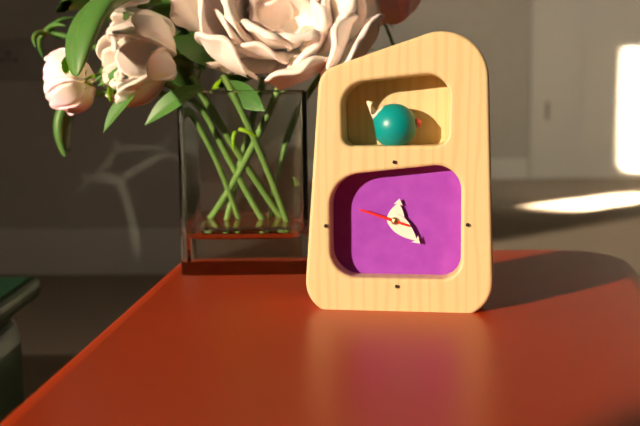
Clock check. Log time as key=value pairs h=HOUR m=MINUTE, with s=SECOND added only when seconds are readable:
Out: h=12 m=22
